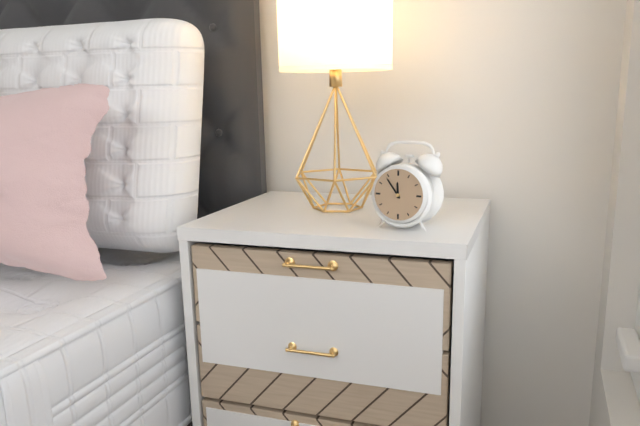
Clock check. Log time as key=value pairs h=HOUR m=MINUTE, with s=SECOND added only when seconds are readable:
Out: h=11 m=54
